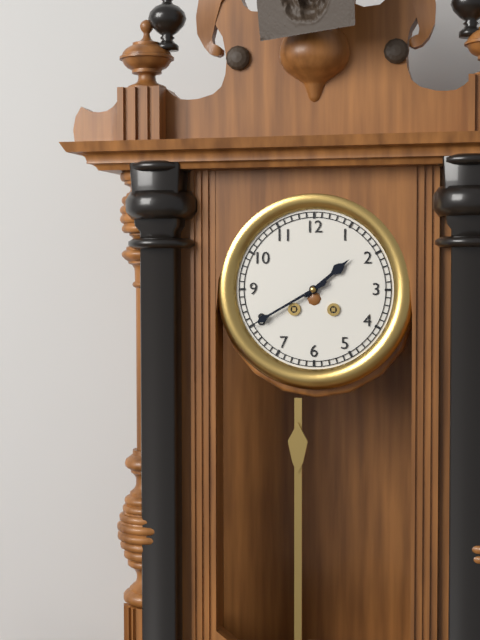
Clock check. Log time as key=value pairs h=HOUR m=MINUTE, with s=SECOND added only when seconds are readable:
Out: h=1 m=40
